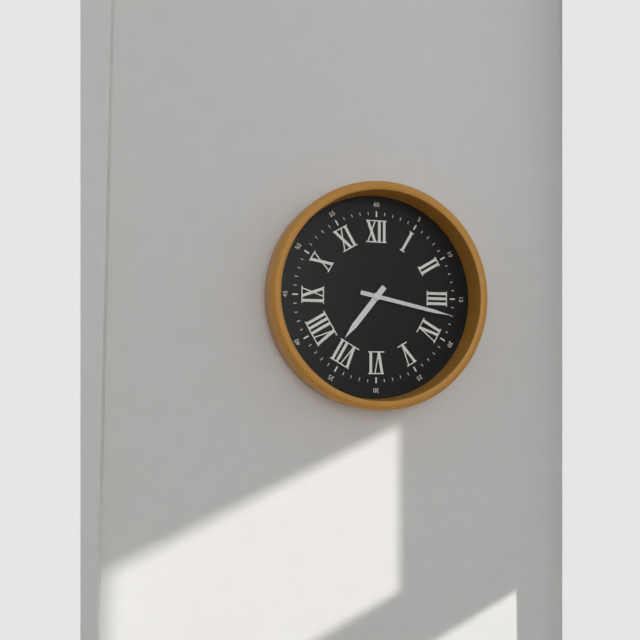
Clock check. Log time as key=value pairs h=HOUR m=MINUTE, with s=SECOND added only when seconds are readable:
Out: h=7 m=17
